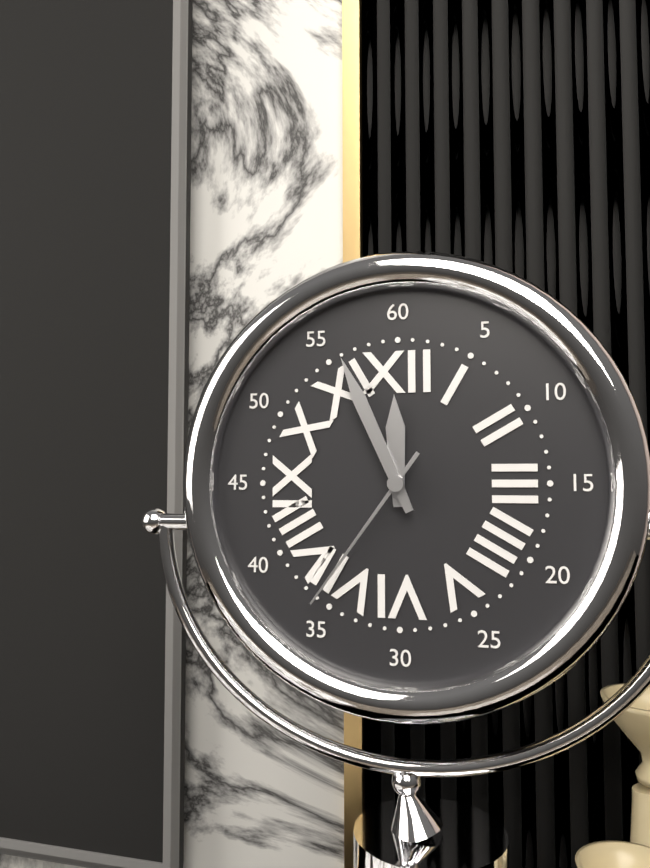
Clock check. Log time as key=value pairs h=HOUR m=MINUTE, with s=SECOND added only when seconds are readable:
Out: h=11 m=56 s=36
